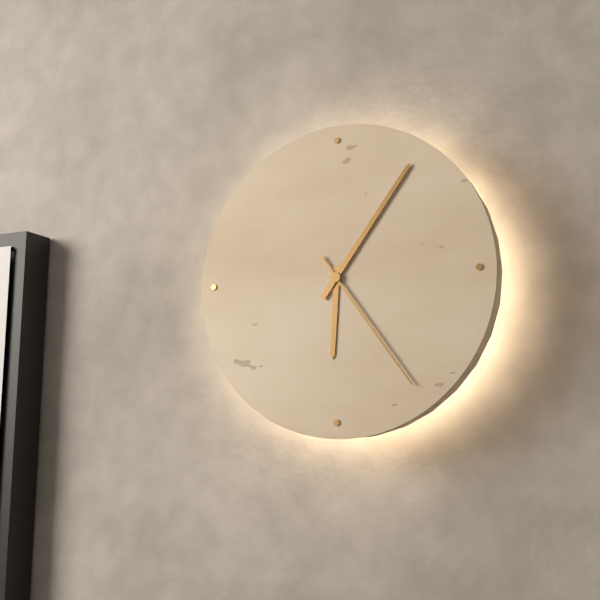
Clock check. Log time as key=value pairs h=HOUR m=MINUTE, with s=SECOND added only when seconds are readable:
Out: h=6 m=6 s=24
